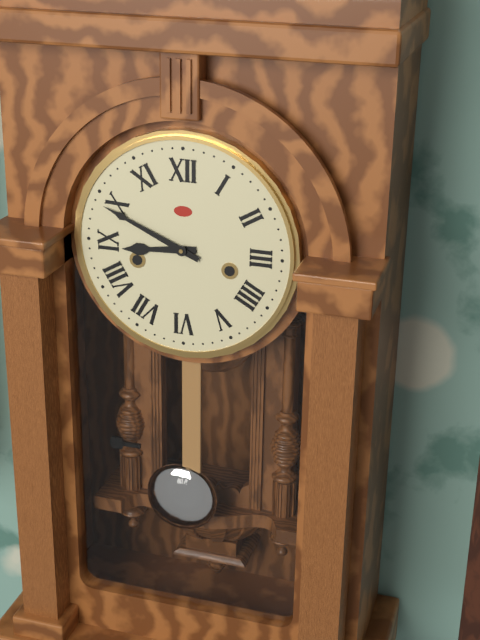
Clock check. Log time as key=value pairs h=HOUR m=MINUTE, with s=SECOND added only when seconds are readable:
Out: h=8 m=49
